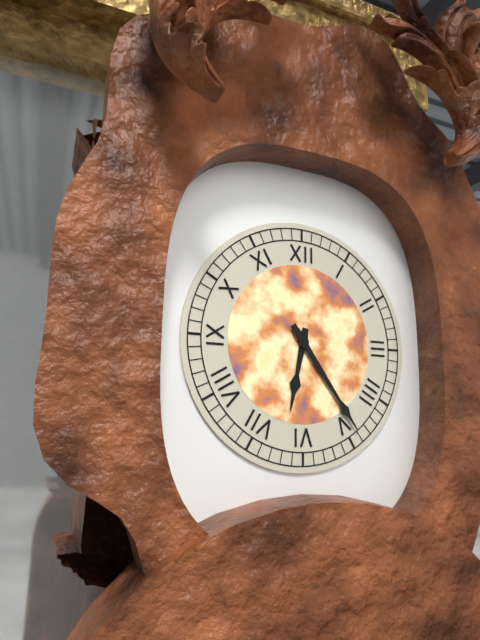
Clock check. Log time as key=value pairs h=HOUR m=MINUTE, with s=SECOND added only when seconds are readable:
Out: h=6 m=24
